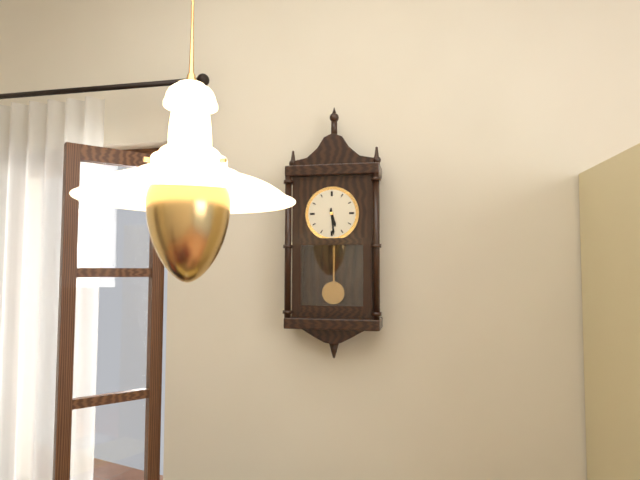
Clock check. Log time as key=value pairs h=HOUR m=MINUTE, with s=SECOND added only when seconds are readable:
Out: h=5 m=29
